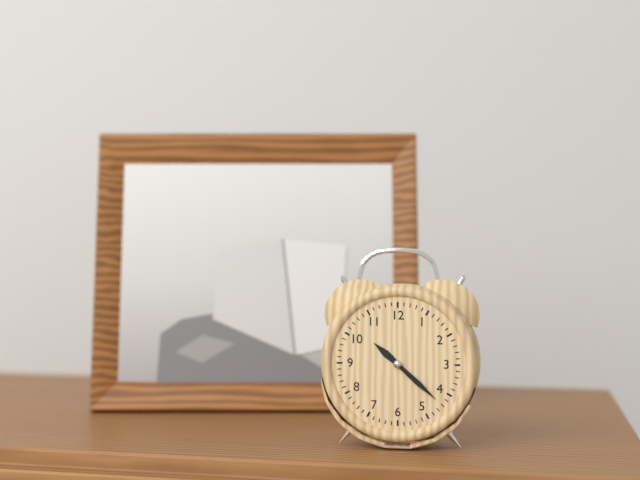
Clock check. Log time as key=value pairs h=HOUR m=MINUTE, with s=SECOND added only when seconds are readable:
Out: h=10 m=22
